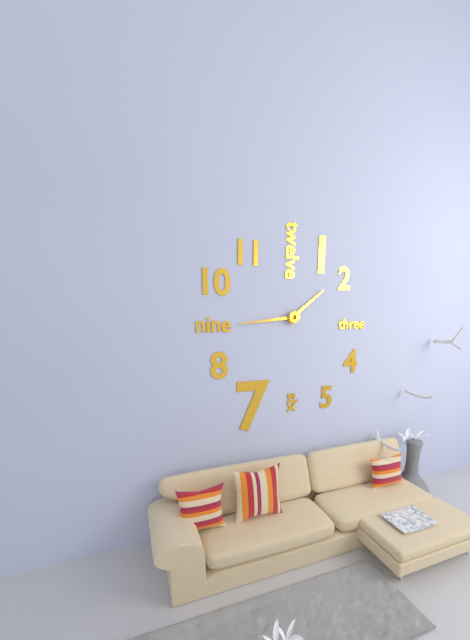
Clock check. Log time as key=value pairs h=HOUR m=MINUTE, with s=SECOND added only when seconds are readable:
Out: h=1 m=44
